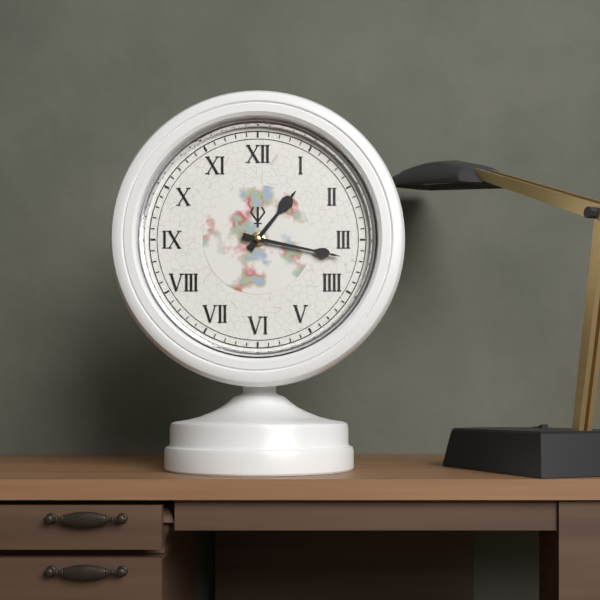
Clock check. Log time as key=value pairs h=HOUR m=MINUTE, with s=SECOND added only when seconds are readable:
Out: h=1 m=17
